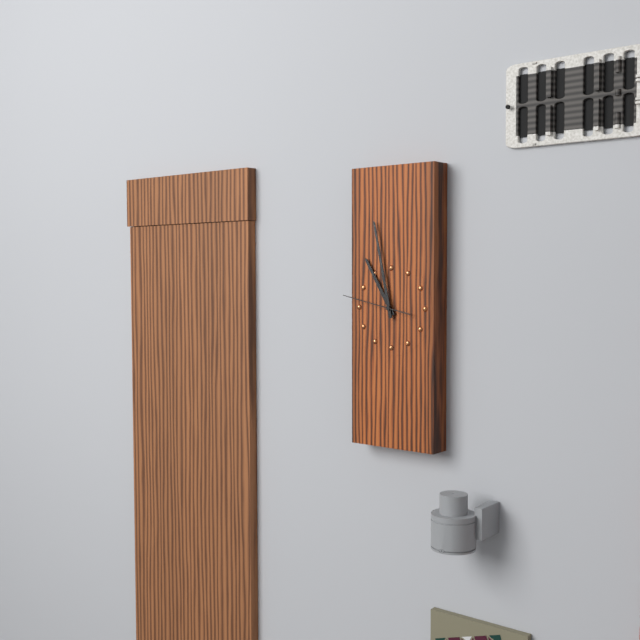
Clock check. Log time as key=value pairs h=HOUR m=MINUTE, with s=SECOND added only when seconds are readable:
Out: h=10 m=58 s=47
